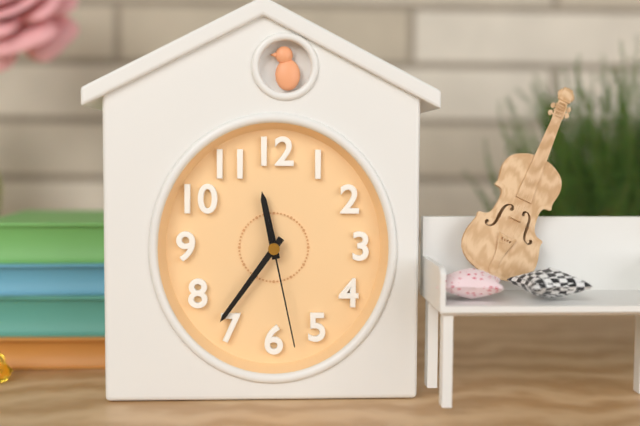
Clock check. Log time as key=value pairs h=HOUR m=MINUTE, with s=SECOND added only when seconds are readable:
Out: h=11 m=36 s=28
